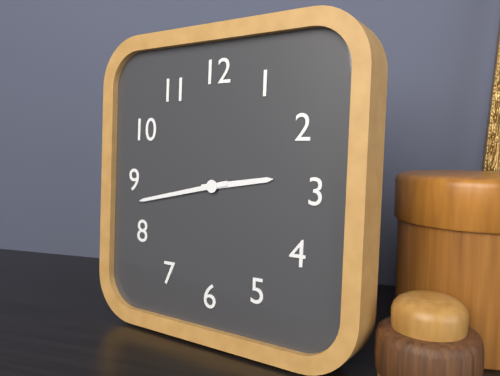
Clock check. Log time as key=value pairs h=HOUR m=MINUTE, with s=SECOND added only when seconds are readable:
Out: h=2 m=43
